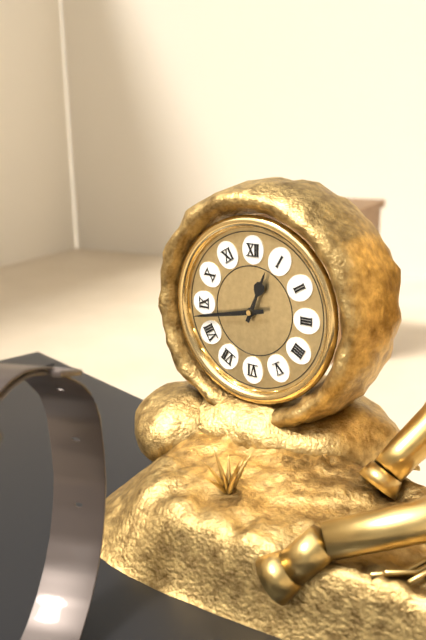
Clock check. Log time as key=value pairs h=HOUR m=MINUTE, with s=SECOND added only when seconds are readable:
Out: h=12 m=43
